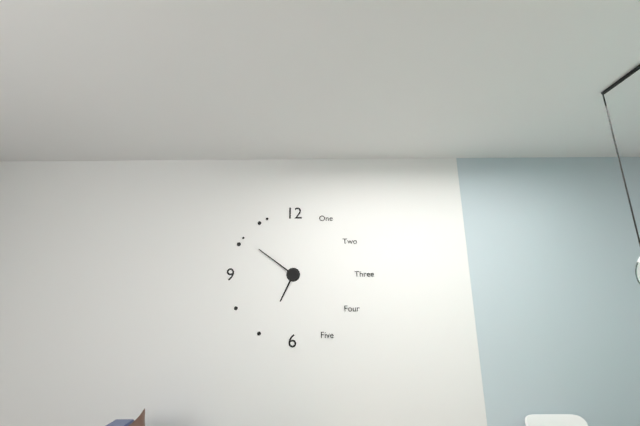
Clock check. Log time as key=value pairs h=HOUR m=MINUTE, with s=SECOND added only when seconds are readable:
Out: h=6 m=51
